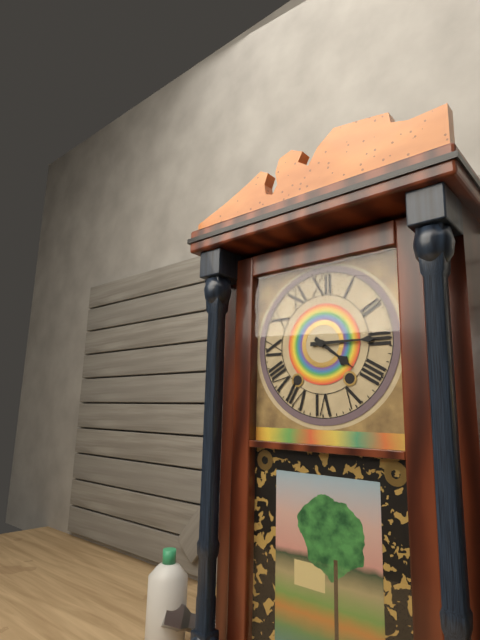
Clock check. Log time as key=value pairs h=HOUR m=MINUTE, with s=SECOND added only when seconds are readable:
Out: h=4 m=15
